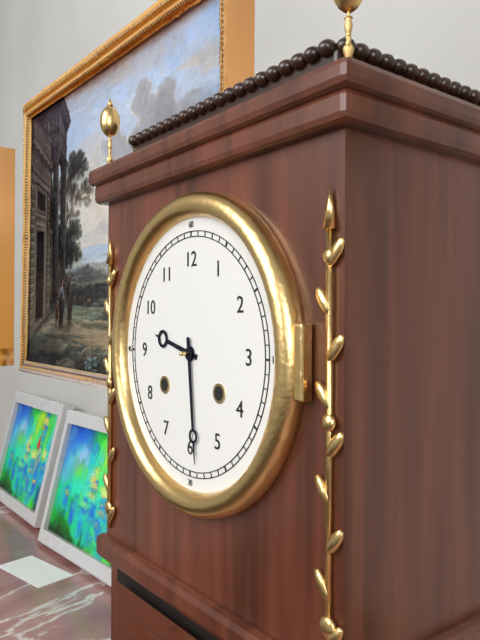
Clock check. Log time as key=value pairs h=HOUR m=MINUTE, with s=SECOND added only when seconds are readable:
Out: h=9 m=29
